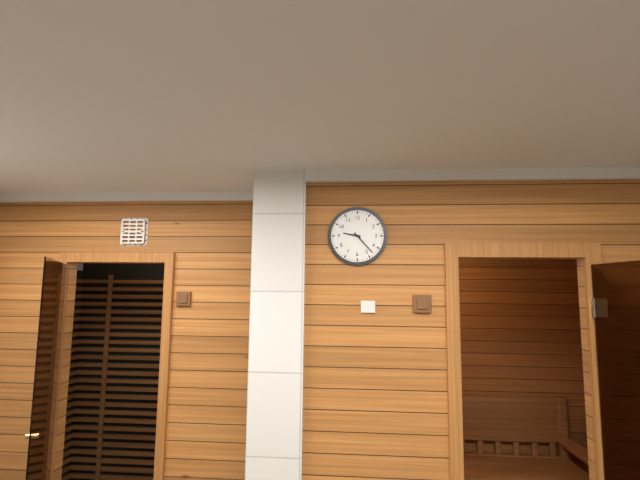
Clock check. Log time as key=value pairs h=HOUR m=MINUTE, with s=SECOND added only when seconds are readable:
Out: h=9 m=23
